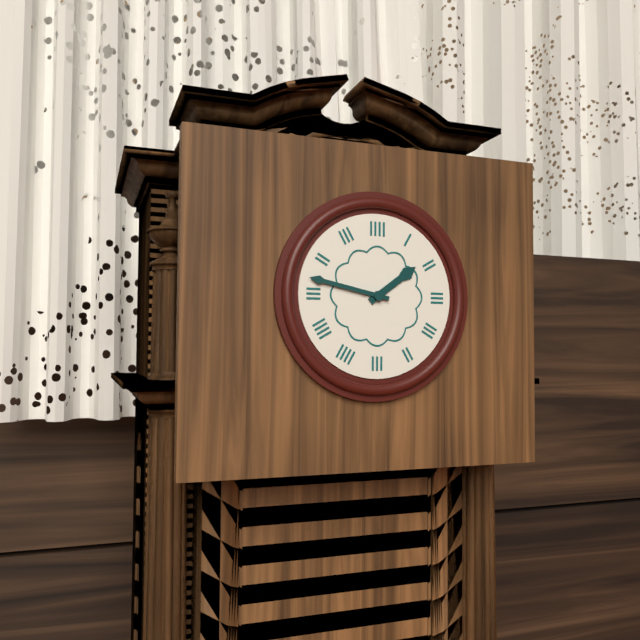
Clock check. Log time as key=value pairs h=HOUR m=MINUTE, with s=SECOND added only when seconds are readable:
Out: h=1 m=47
